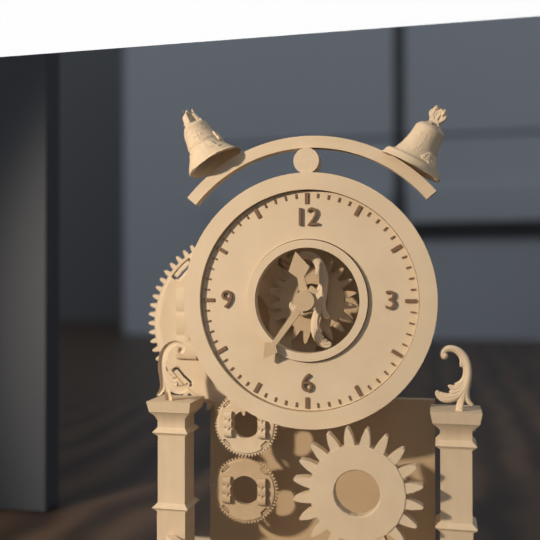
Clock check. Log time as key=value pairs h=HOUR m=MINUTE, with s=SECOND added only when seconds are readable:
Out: h=11 m=36
